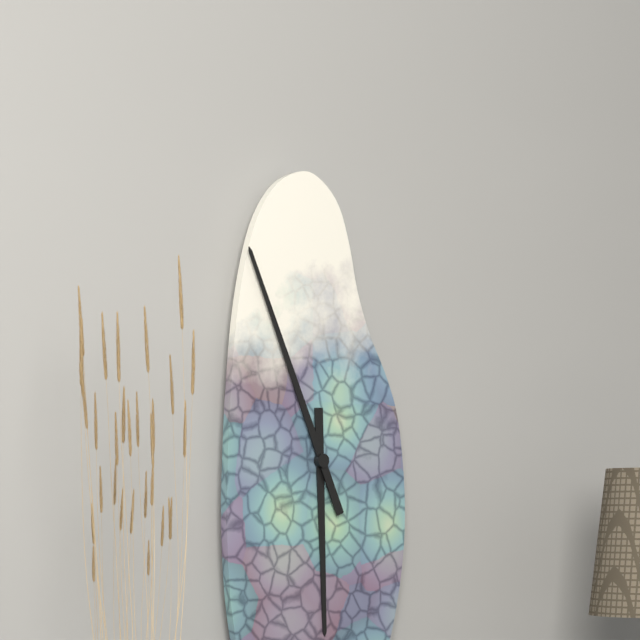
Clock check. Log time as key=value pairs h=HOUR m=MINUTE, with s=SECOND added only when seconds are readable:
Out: h=5 m=56
